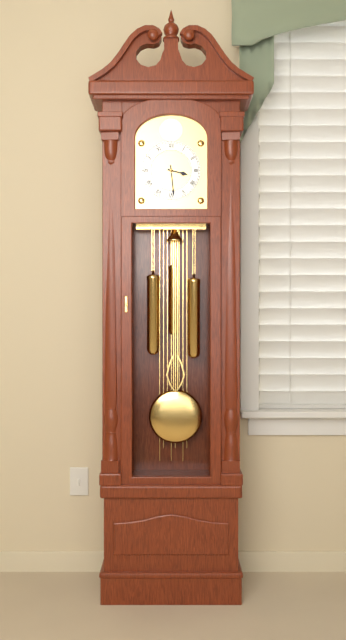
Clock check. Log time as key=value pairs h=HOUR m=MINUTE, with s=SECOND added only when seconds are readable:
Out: h=3 m=29
